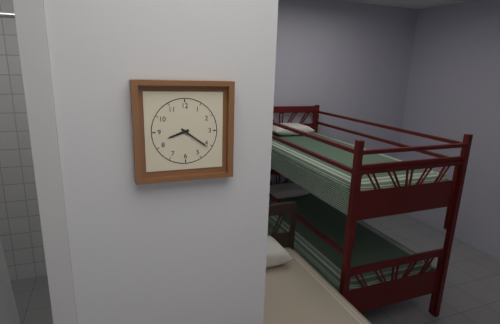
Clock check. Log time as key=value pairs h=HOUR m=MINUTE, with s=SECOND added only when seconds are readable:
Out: h=8 m=21
